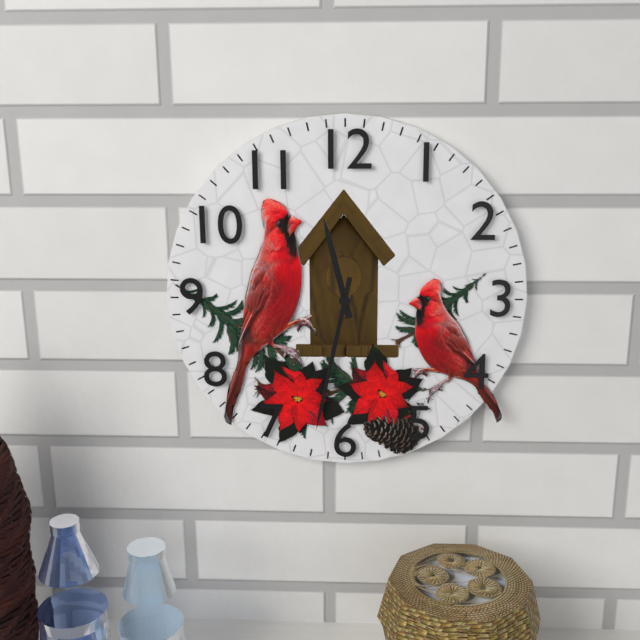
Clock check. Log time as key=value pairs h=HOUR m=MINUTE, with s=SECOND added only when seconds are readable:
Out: h=11 m=32
